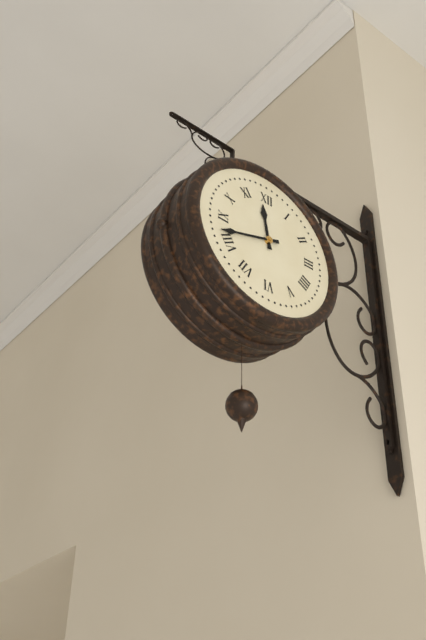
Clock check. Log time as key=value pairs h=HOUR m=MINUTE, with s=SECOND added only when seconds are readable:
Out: h=11 m=42
